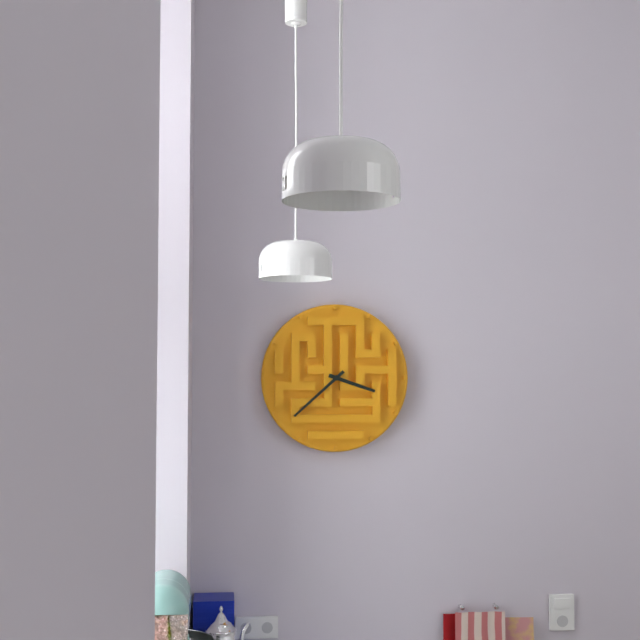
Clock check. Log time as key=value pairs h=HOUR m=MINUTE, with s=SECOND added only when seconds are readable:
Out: h=3 m=38
